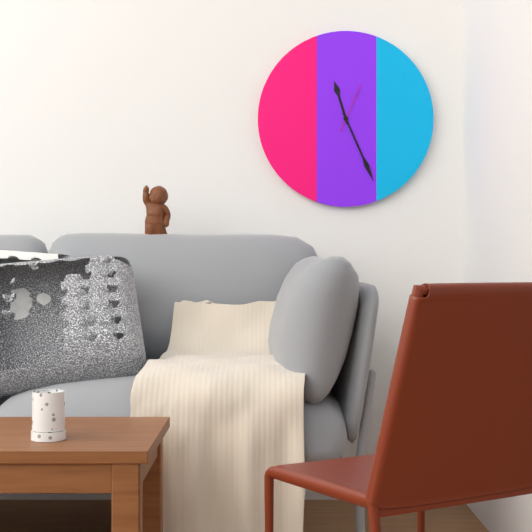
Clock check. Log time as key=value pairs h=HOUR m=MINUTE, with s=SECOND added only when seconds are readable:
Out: h=11 m=26
